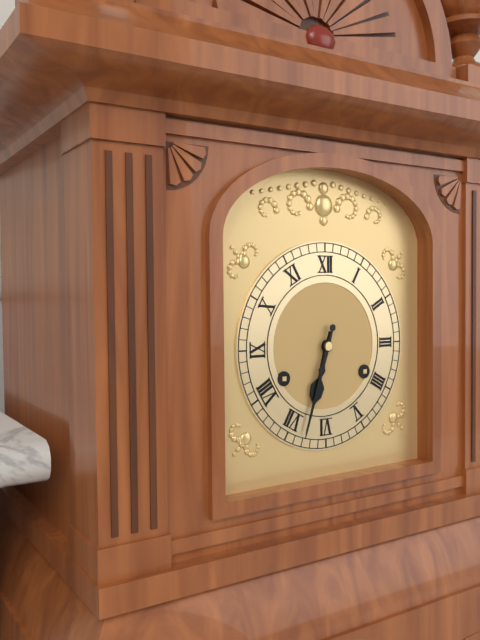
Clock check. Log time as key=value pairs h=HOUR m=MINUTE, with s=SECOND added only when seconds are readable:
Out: h=6 m=33
